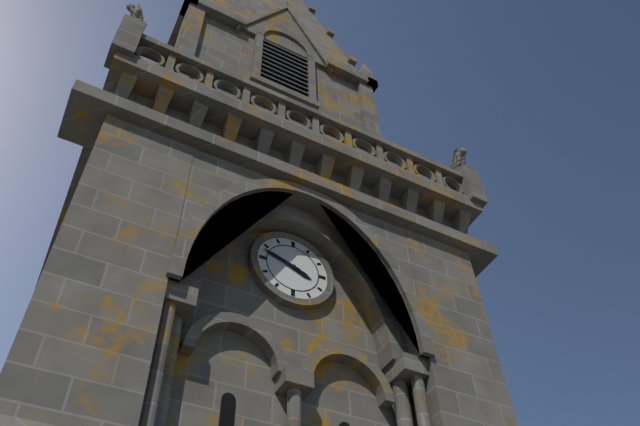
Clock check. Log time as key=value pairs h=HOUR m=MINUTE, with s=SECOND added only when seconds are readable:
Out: h=3 m=48
